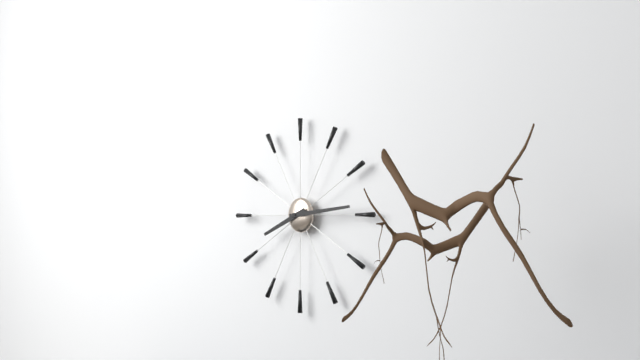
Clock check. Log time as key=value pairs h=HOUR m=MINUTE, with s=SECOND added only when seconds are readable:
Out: h=8 m=14
